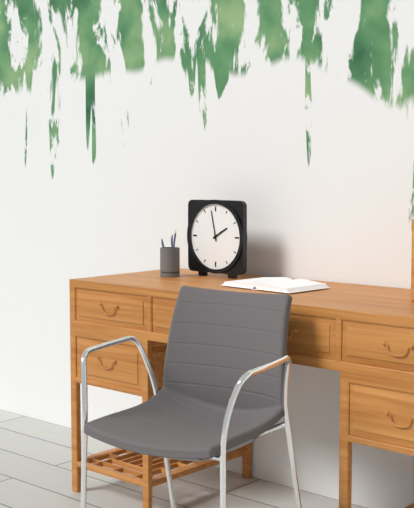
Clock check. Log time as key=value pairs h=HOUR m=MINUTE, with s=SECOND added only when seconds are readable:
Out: h=1 m=58
